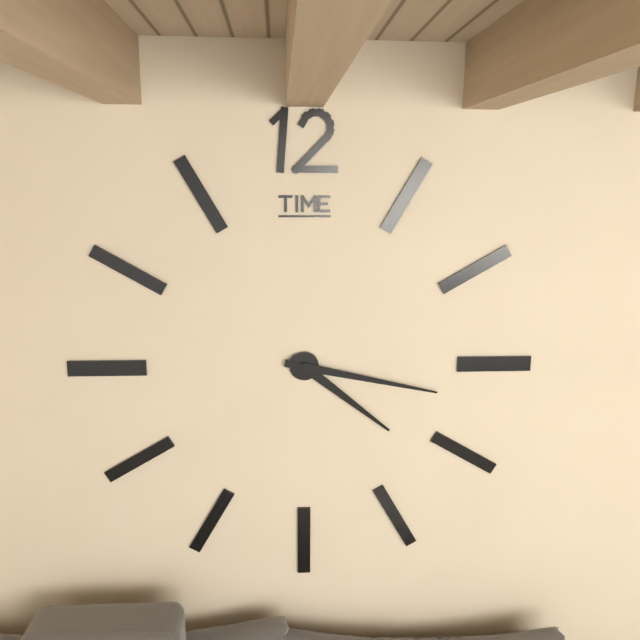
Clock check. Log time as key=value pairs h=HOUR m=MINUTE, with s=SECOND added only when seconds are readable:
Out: h=4 m=17
